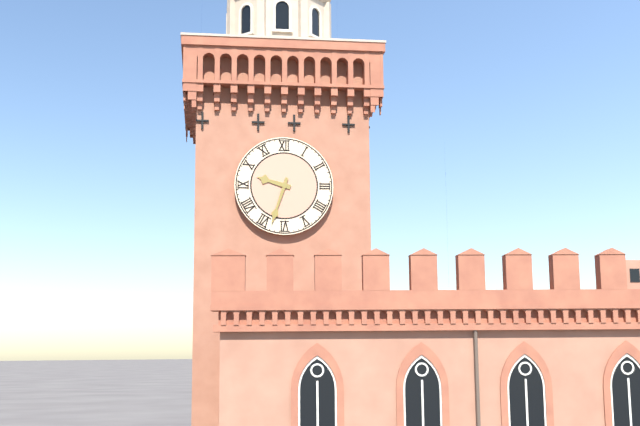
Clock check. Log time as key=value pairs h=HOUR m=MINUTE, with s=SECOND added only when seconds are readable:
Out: h=9 m=33
